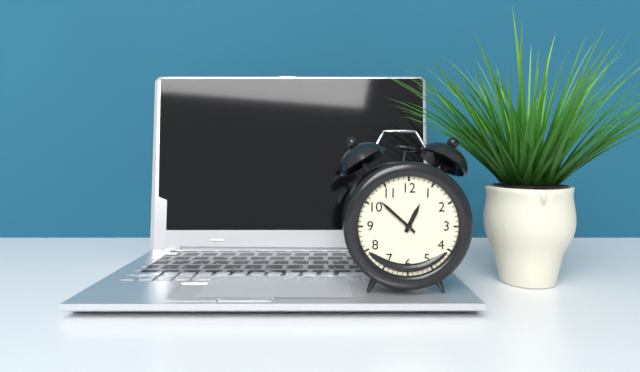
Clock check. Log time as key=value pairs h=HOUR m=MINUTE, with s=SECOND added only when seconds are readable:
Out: h=12 m=52
